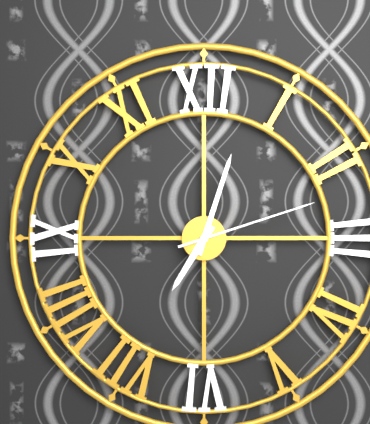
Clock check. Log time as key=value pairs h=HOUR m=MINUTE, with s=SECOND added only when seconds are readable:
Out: h=7 m=3 s=12
